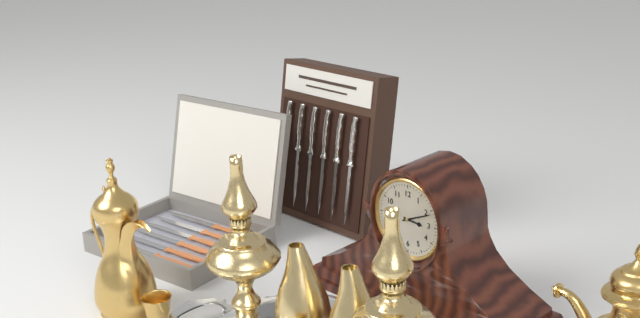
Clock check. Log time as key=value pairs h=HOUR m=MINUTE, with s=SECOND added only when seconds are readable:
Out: h=3 m=11
